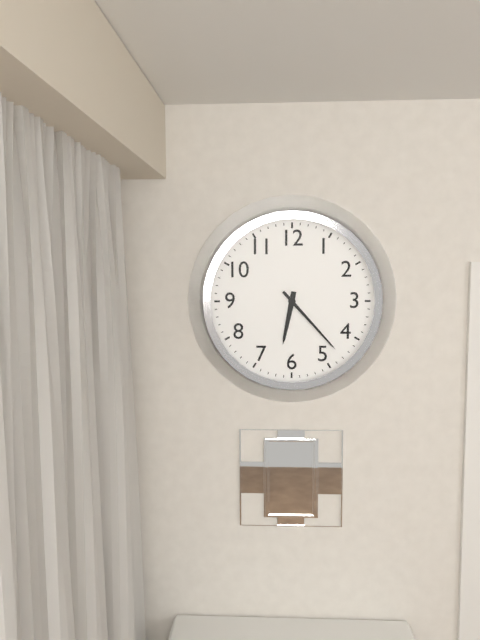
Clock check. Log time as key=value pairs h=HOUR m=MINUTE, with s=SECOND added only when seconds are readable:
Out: h=6 m=23
